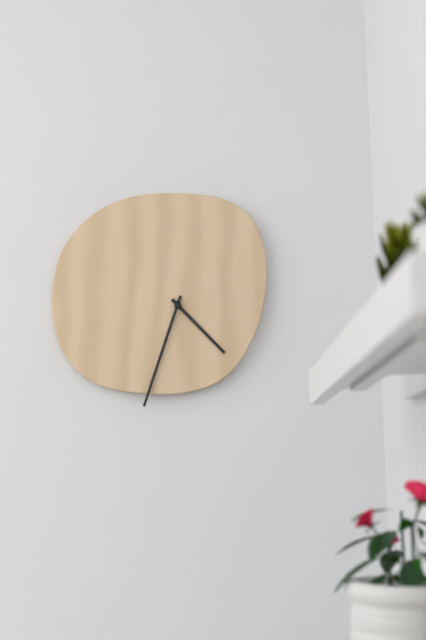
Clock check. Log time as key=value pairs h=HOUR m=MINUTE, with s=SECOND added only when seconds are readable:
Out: h=4 m=33
